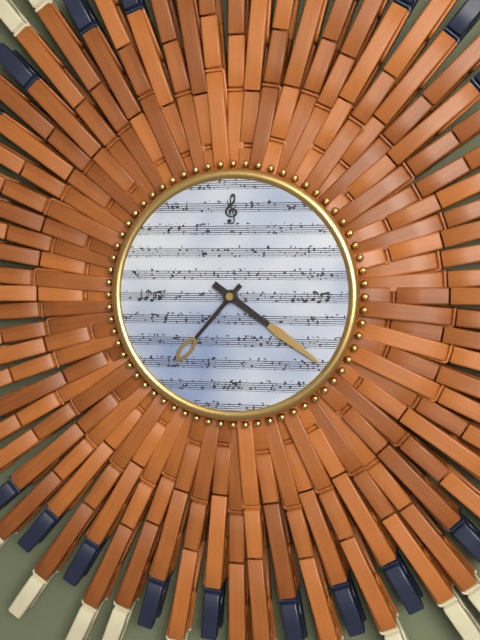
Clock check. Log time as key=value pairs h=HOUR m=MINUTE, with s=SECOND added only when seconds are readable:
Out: h=7 m=21
